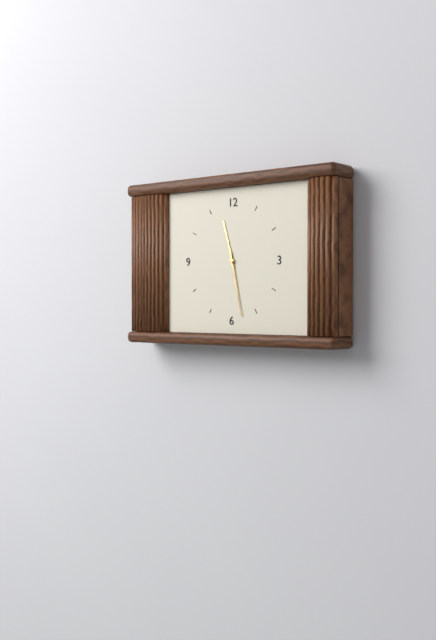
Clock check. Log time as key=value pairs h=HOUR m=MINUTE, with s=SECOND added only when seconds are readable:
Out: h=11 m=28
